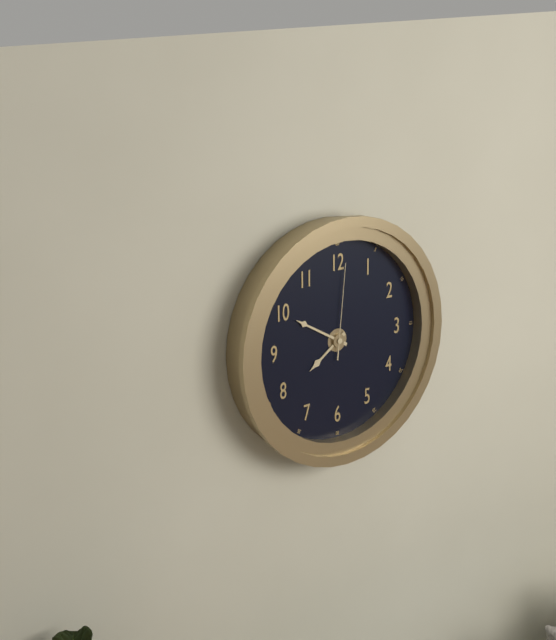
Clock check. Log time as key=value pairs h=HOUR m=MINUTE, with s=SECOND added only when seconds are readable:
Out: h=7 m=50 s=1
